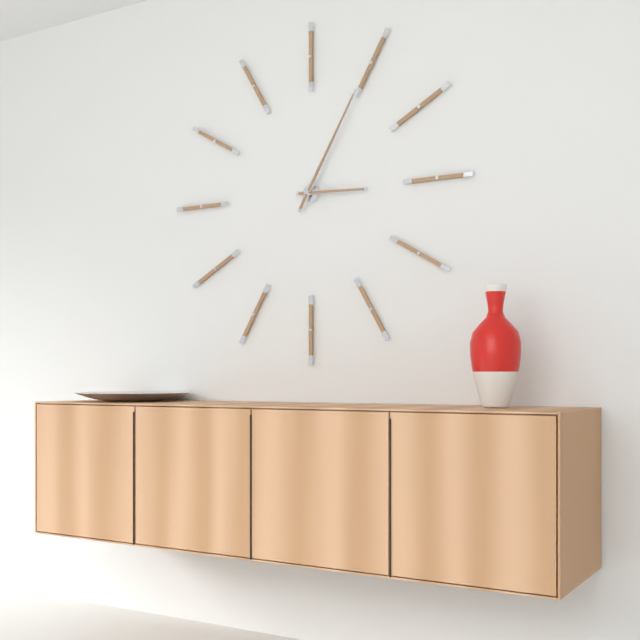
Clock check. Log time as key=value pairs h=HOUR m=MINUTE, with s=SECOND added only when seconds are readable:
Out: h=3 m=5
